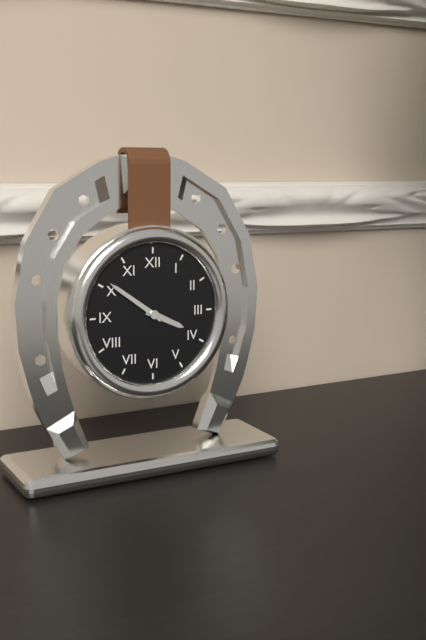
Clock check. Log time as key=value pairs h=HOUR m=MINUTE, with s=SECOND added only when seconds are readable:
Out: h=3 m=51
